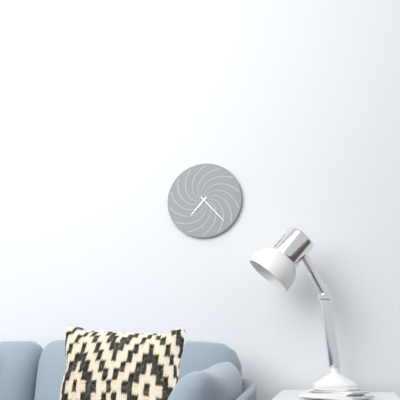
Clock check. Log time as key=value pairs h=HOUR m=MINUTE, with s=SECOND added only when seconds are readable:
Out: h=7 m=23
